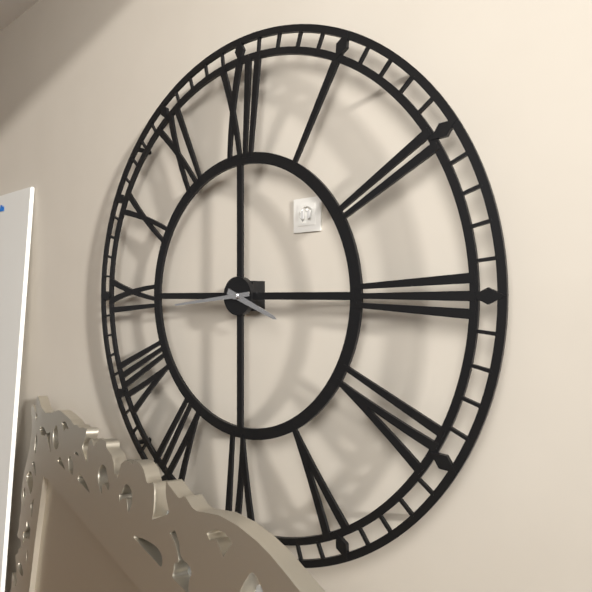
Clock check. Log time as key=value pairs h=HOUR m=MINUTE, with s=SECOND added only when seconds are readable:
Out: h=3 m=44
